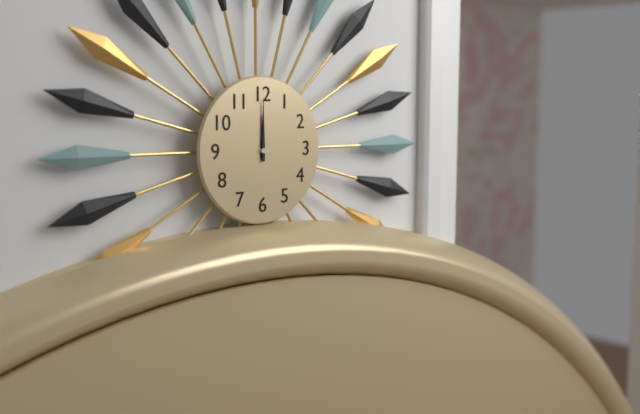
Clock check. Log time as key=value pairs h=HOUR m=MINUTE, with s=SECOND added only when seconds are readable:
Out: h=12 m=0
